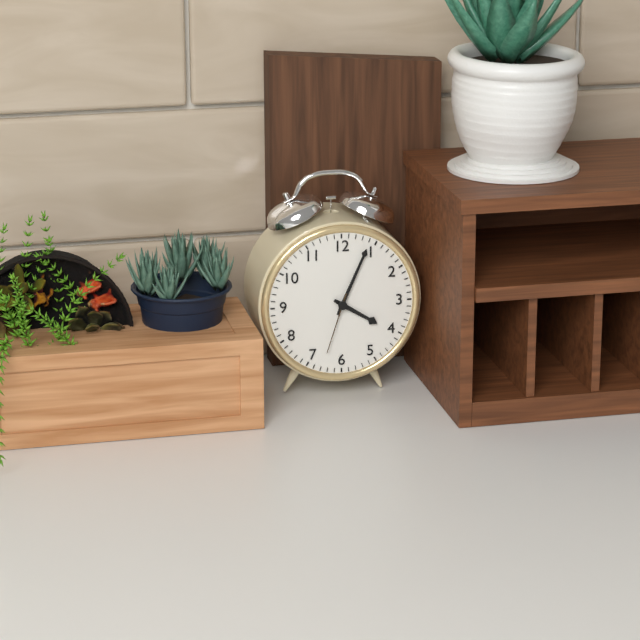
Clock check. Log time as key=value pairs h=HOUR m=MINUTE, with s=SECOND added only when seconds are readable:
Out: h=4 m=4 s=33
